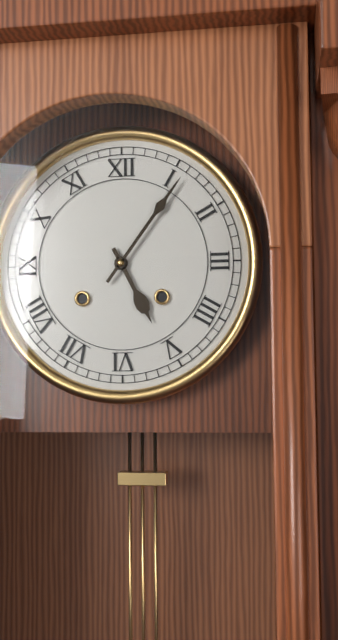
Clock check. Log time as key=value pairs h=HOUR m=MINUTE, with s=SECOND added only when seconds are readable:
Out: h=5 m=6
